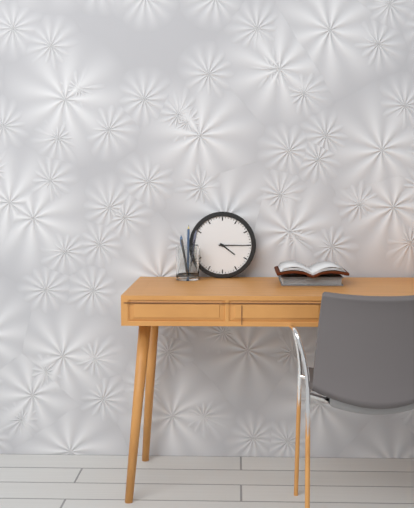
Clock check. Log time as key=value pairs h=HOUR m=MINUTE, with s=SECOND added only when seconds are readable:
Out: h=4 m=15
